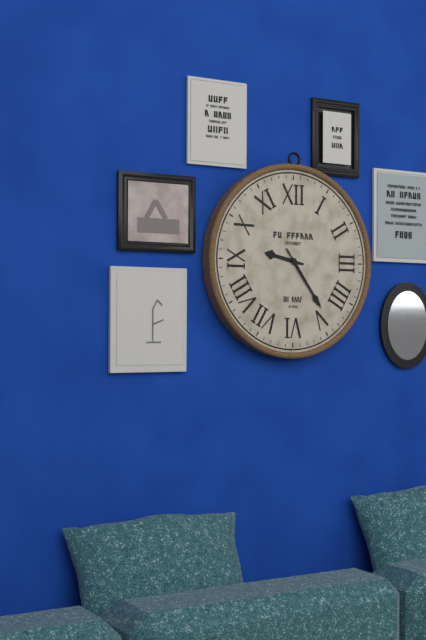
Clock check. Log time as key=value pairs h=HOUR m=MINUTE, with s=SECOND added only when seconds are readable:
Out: h=9 m=24
